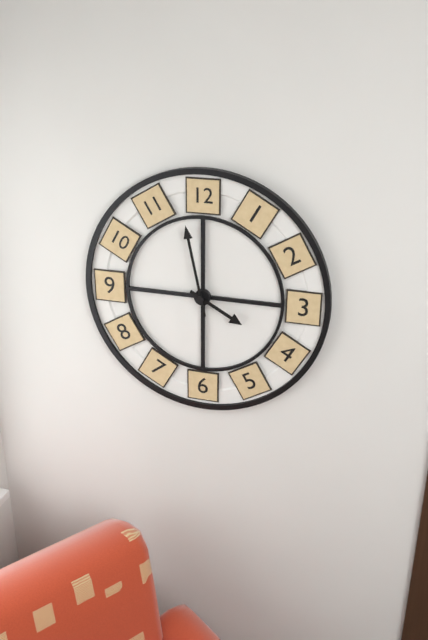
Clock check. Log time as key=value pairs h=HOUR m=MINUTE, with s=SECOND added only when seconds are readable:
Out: h=3 m=58
